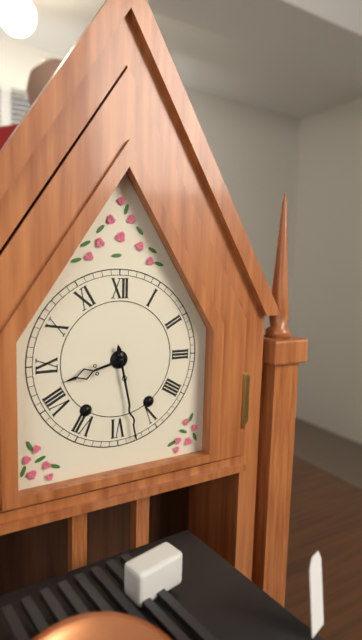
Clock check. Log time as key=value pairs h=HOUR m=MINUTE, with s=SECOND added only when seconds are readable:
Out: h=8 m=28
